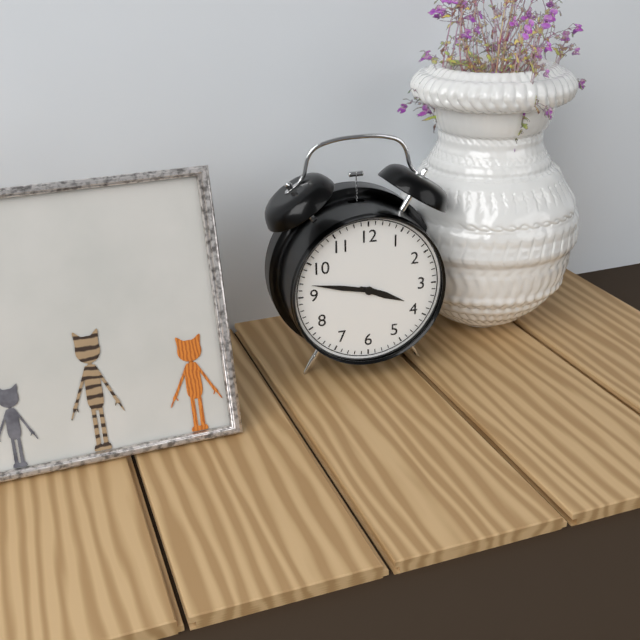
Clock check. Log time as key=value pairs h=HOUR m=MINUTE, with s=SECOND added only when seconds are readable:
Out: h=3 m=47
